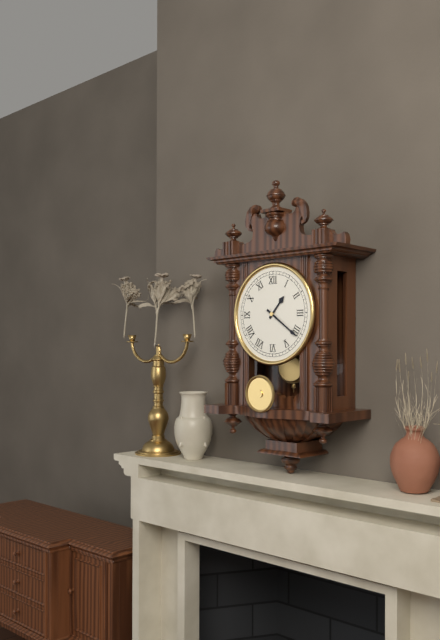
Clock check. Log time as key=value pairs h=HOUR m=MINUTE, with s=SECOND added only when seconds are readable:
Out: h=1 m=21
